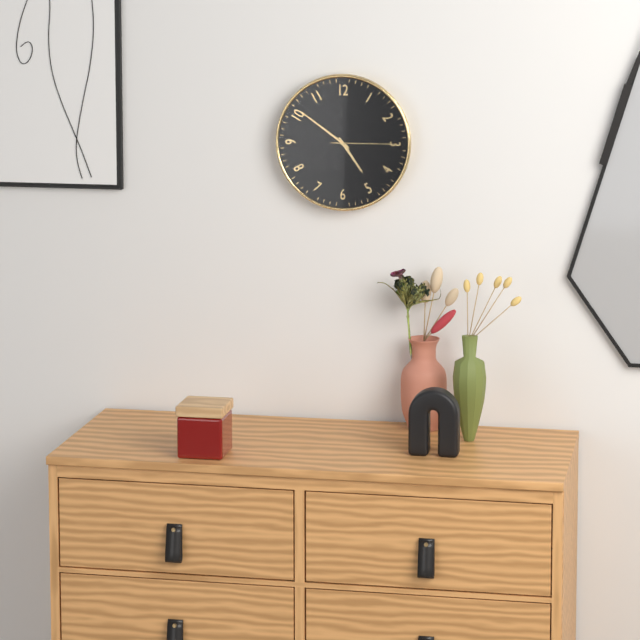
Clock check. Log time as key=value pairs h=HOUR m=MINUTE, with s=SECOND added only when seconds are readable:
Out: h=4 m=51 s=15
